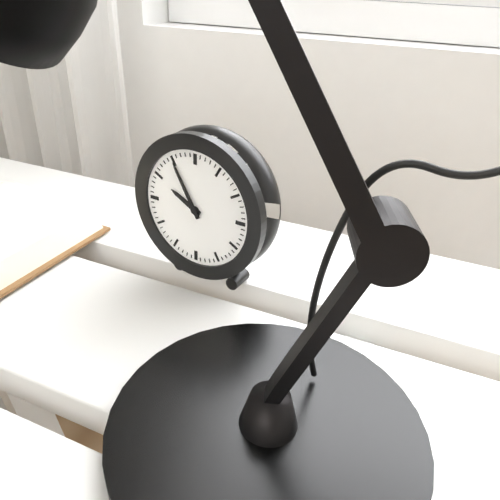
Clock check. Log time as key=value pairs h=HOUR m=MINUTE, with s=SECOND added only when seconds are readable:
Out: h=9 m=55
